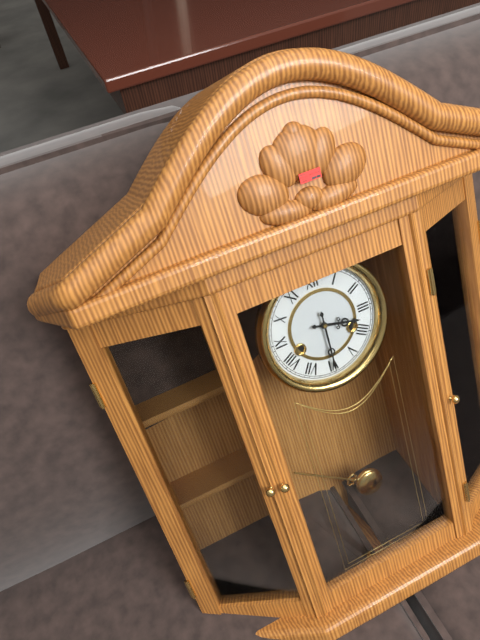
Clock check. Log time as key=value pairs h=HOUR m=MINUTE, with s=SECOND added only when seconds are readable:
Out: h=3 m=30
